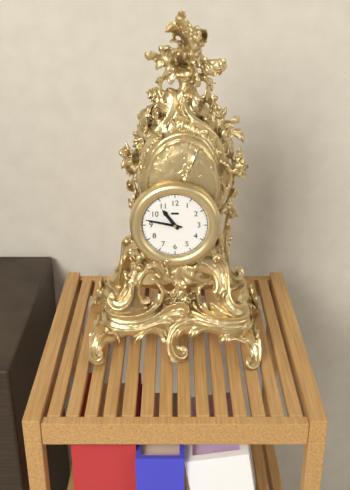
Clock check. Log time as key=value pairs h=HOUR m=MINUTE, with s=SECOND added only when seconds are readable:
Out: h=10 m=47
